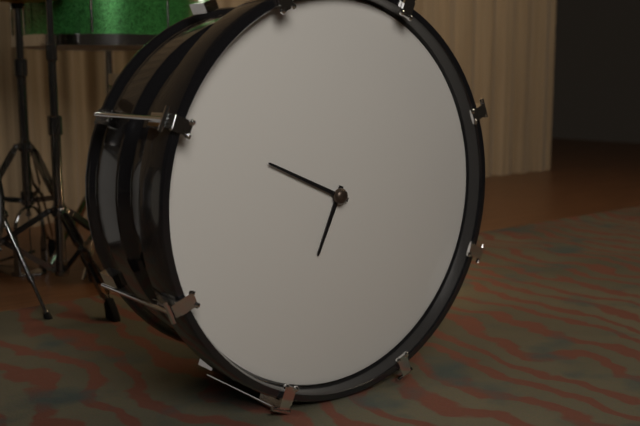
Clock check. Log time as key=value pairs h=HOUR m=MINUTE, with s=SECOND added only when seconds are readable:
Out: h=6 m=49
